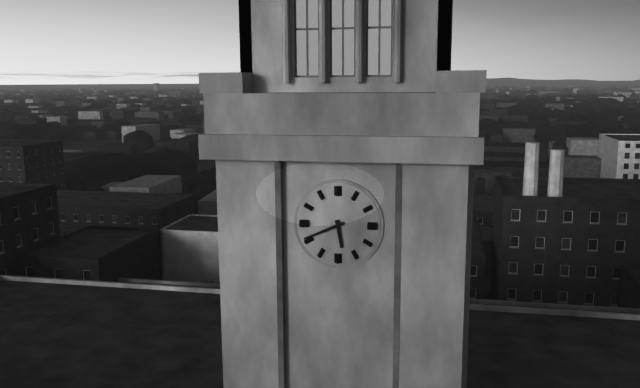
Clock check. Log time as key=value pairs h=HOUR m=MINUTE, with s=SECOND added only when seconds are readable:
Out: h=5 m=41
